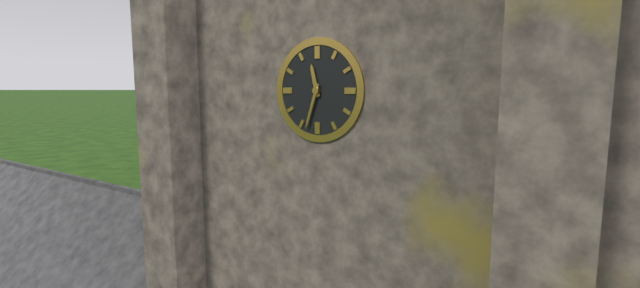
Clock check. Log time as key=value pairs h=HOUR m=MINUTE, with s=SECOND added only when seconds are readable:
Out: h=11 m=33
